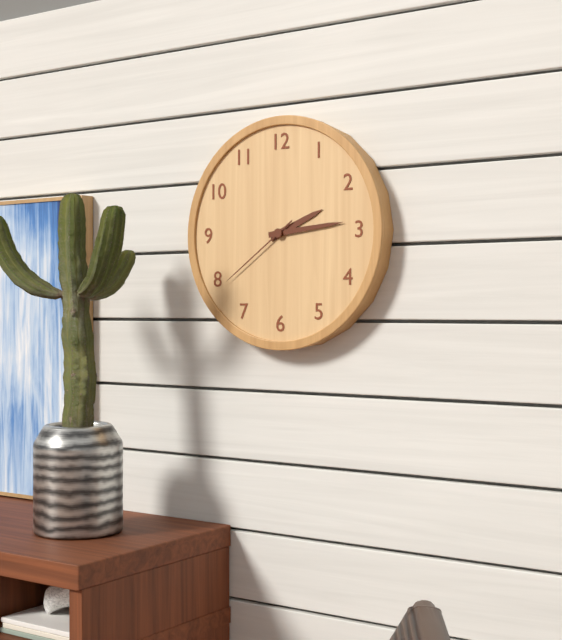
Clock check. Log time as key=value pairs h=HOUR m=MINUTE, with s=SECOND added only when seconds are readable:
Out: h=2 m=14 s=39
